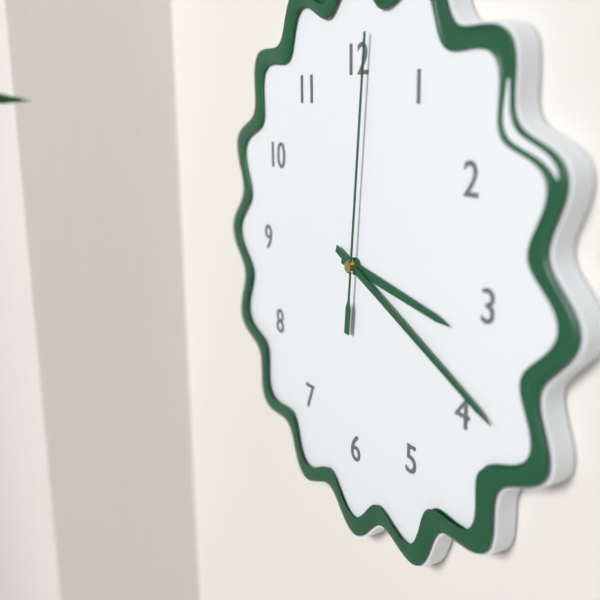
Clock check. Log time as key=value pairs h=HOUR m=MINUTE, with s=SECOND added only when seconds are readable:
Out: h=3 m=19 s=1
